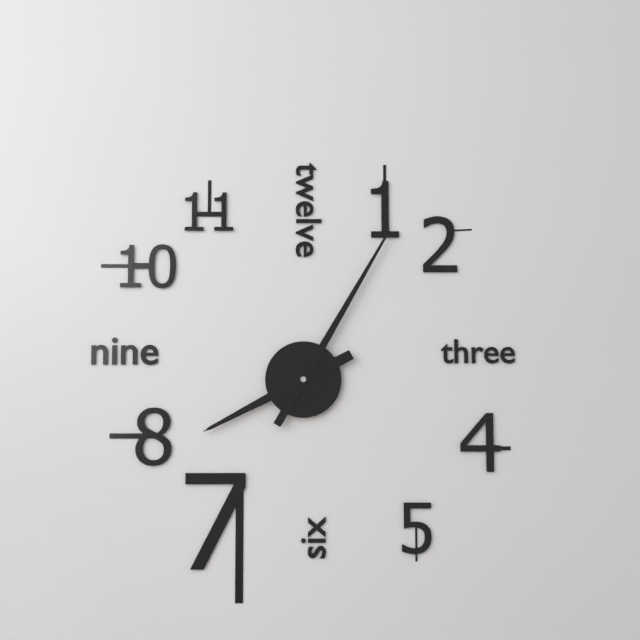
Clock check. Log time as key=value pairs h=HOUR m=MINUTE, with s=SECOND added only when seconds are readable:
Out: h=8 m=5
